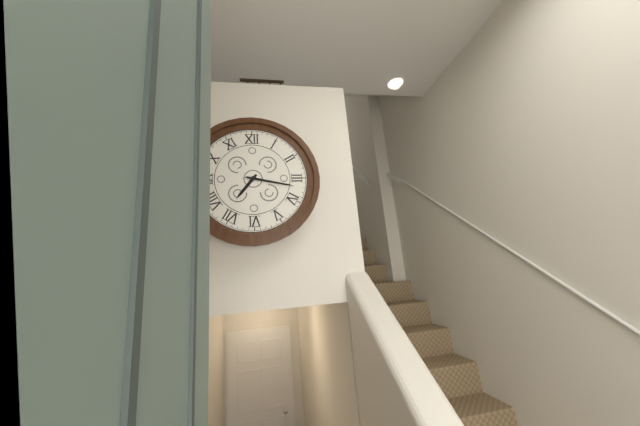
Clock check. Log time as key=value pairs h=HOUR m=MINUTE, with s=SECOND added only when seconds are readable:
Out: h=7 m=17
